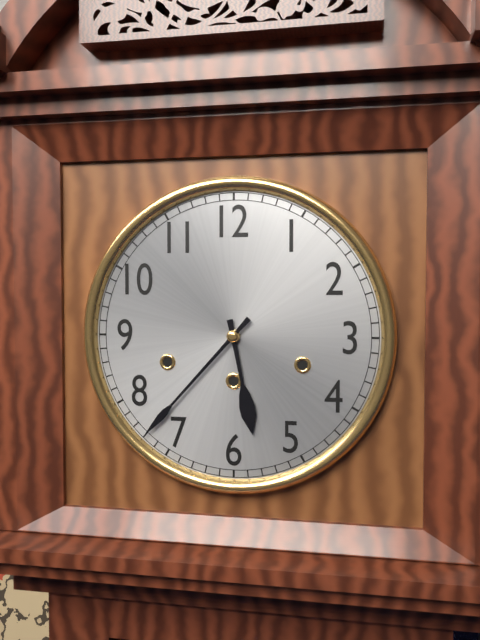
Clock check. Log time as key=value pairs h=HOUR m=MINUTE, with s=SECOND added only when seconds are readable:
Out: h=5 m=37
